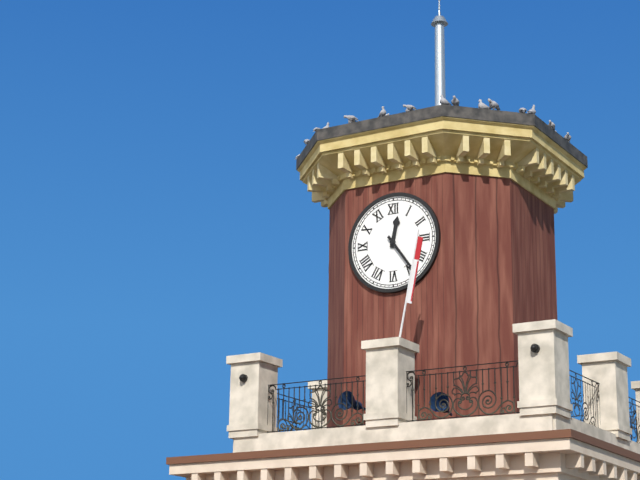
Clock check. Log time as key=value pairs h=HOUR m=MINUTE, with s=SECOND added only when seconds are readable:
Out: h=12 m=24
